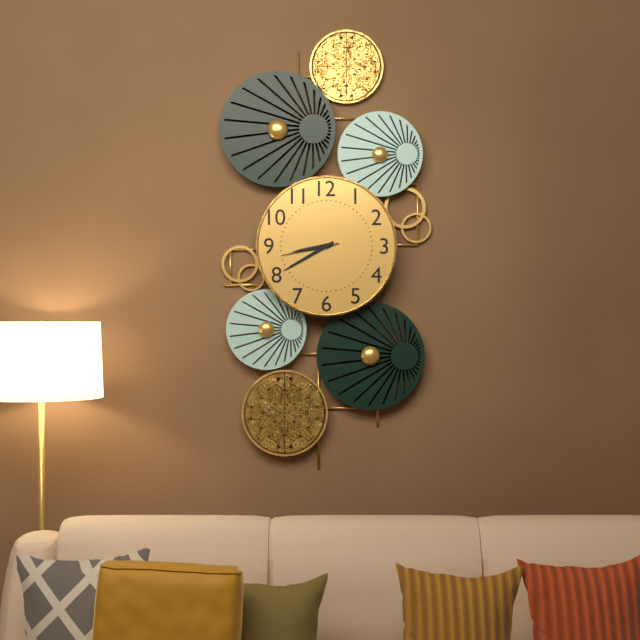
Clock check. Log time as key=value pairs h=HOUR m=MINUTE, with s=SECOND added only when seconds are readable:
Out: h=8 m=40 s=43
